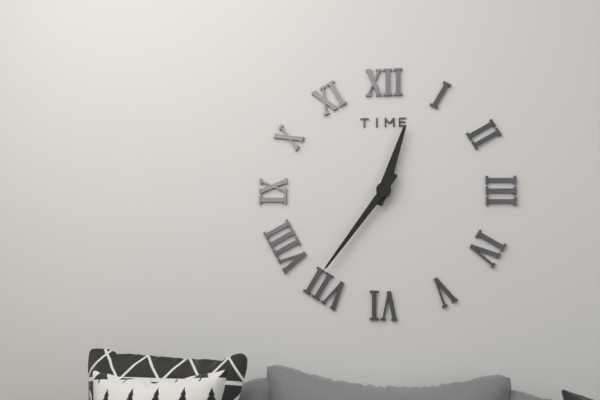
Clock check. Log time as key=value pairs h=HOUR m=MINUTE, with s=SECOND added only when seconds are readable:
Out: h=12 m=36
